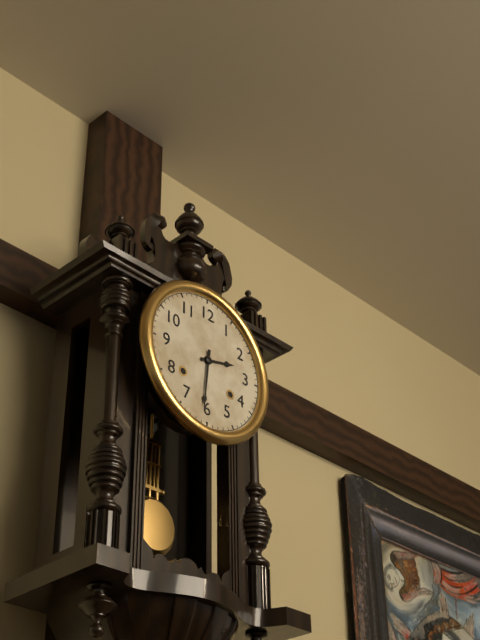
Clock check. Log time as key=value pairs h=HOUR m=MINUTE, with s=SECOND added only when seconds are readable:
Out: h=2 m=31
